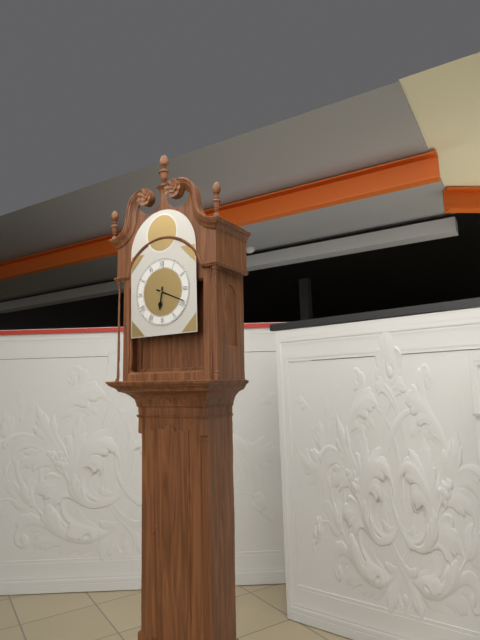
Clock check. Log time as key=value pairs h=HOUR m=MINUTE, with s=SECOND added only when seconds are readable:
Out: h=6 m=19
